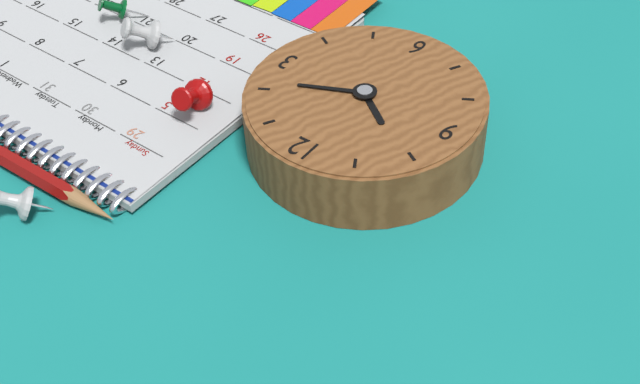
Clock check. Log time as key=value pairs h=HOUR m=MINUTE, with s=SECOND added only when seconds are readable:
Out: h=10 m=11
